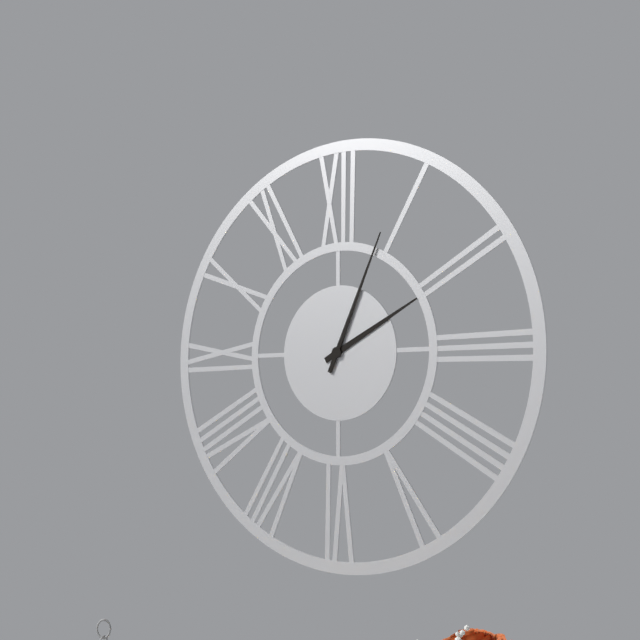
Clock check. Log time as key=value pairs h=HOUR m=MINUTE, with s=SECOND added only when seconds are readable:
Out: h=2 m=4
